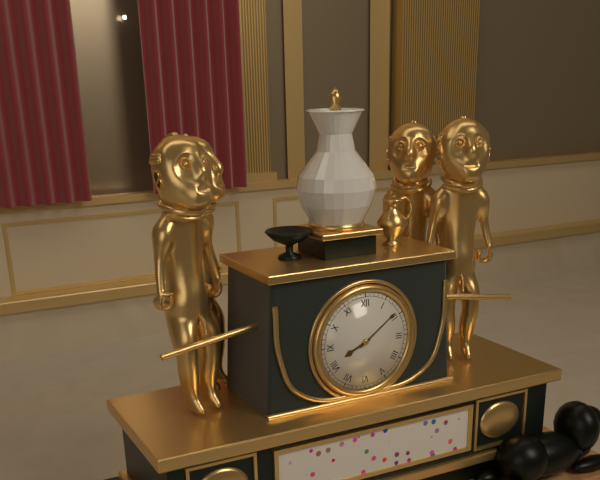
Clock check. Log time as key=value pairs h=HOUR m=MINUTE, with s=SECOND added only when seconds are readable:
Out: h=8 m=9
